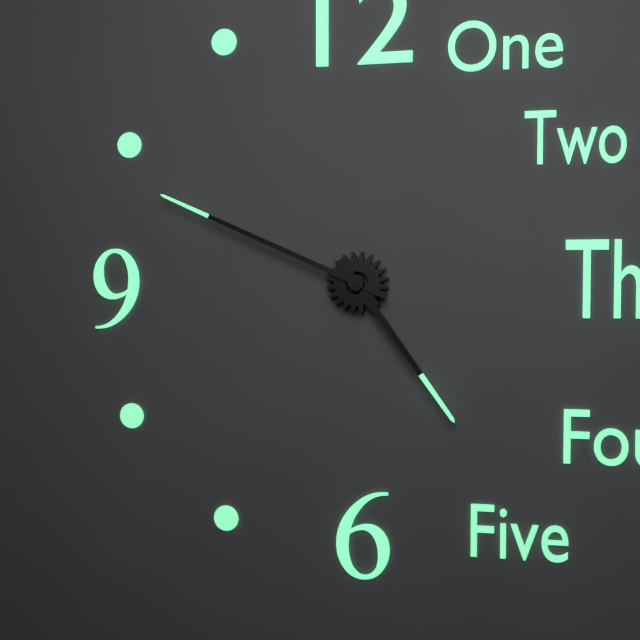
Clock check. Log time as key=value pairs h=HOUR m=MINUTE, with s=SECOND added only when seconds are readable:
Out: h=4 m=49
